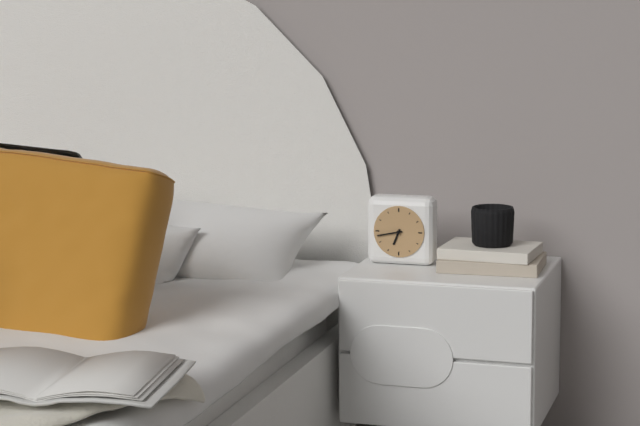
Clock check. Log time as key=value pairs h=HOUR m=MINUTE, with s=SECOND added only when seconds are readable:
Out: h=6 m=43
